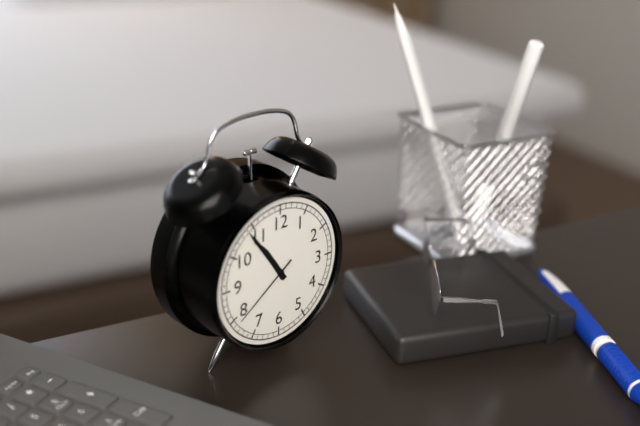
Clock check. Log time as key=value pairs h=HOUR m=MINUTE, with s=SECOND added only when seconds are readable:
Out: h=10 m=54 s=39
